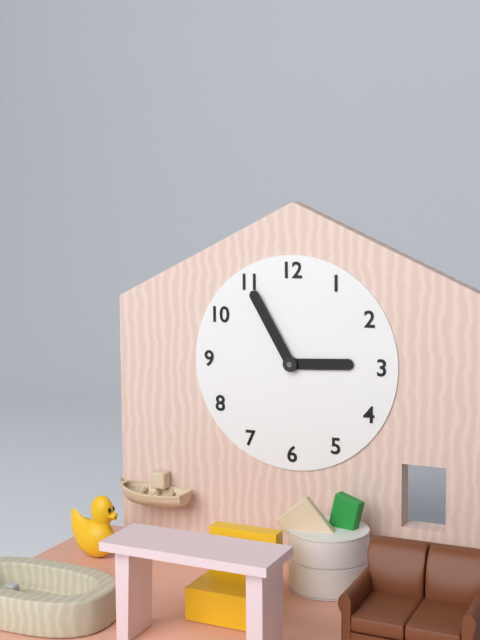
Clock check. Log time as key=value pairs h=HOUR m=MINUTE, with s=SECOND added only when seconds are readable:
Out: h=2 m=55
